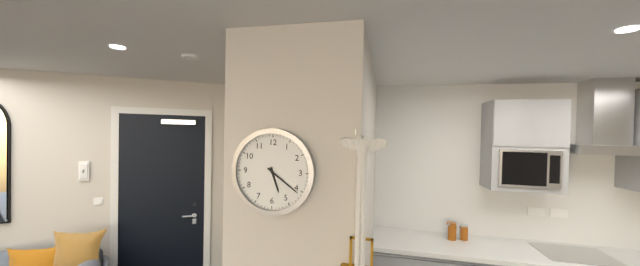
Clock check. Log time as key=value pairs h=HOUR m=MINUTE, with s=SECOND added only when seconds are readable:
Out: h=5 m=21
